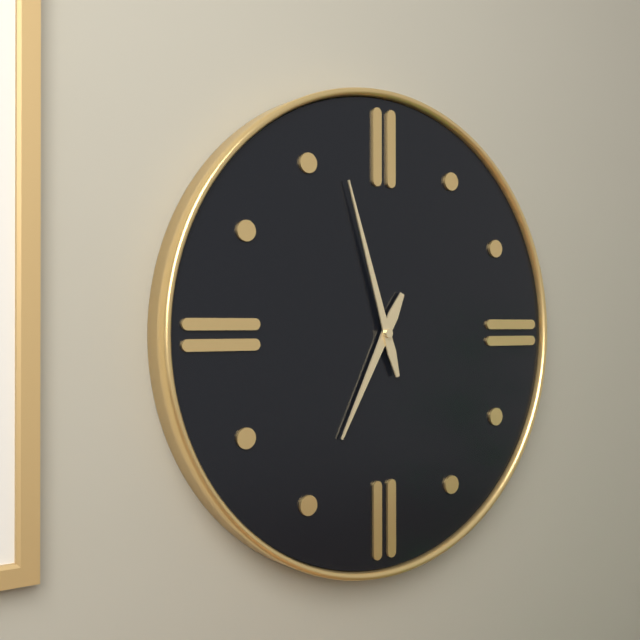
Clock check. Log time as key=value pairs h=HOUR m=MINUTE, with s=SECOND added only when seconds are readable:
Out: h=6 m=57
